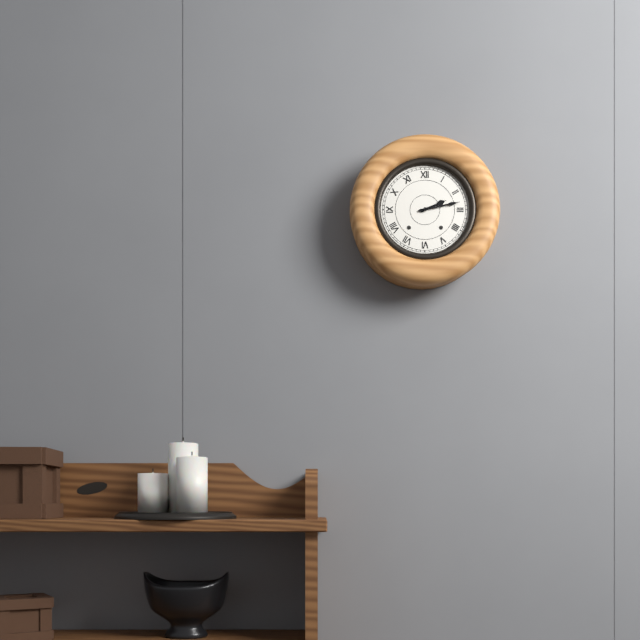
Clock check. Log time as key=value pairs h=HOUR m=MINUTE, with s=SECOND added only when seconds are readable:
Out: h=2 m=13
